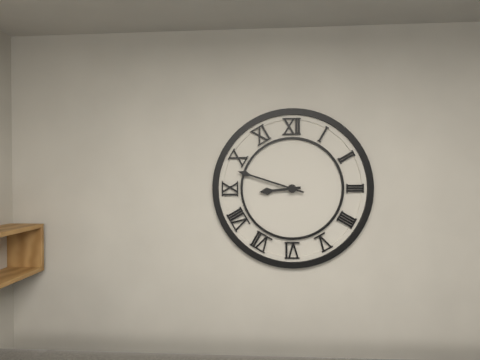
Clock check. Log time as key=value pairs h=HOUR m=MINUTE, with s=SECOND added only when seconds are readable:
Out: h=8 m=48
